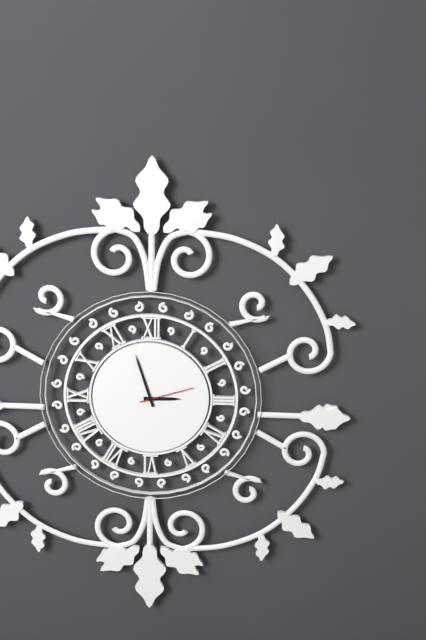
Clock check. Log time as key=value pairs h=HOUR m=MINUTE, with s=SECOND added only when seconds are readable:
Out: h=2 m=57 s=12
